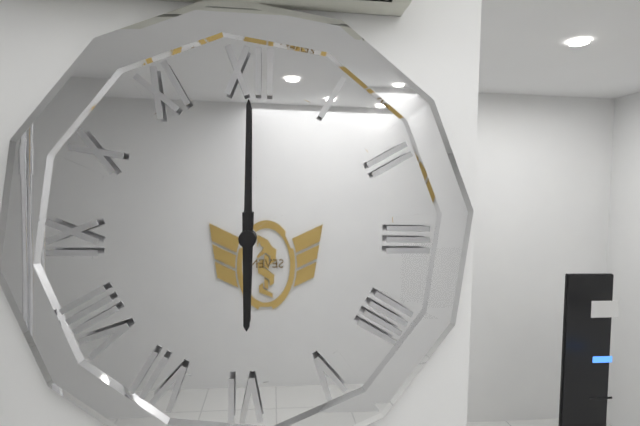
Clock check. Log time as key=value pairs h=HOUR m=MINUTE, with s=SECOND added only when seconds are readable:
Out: h=6 m=0
